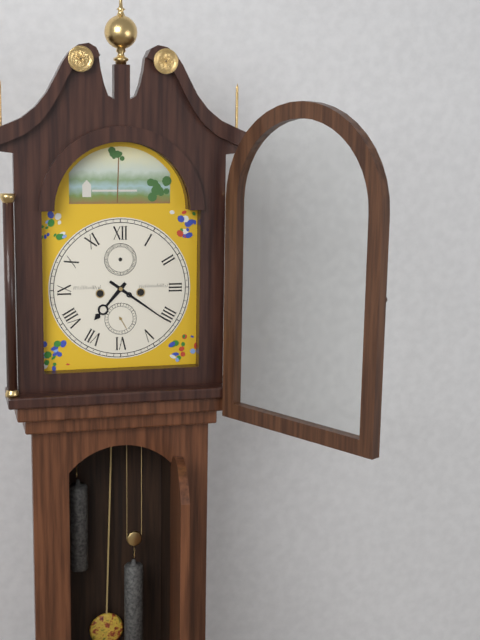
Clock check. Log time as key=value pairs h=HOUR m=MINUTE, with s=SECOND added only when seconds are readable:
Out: h=7 m=21
